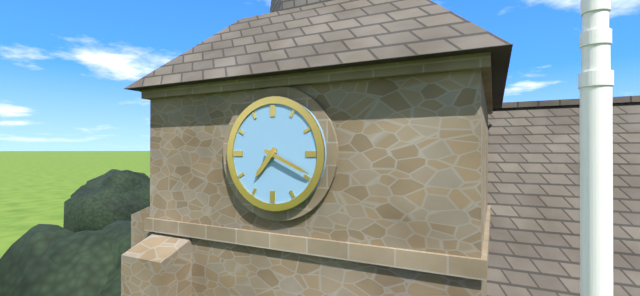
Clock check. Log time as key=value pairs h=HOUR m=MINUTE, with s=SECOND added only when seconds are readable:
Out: h=7 m=19
